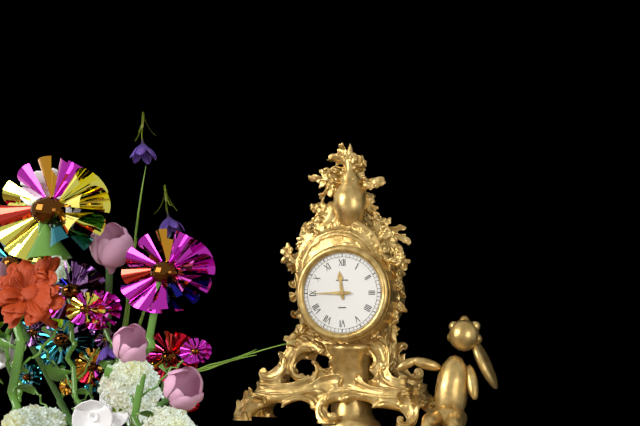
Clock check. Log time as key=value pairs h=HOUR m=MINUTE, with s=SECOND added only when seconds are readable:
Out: h=11 m=45
